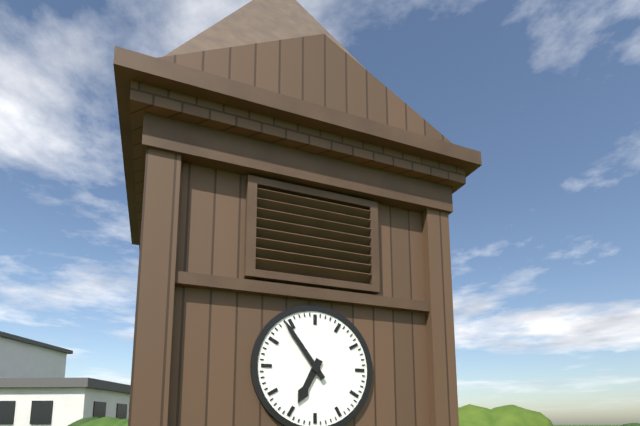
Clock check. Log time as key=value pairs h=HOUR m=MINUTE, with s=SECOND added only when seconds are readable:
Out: h=6 m=54
